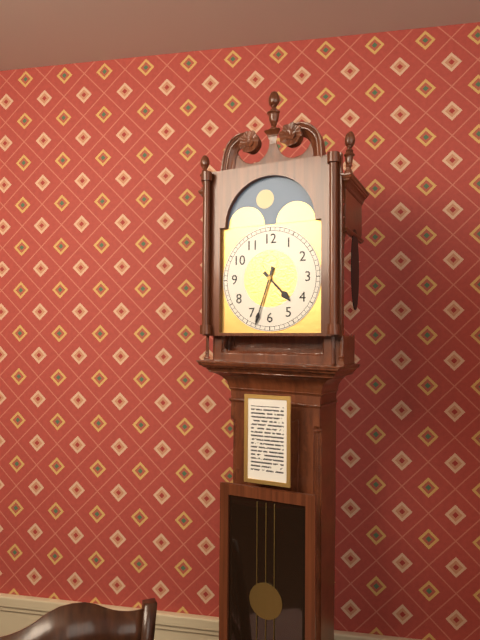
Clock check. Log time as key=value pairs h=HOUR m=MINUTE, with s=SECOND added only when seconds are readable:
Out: h=4 m=33
